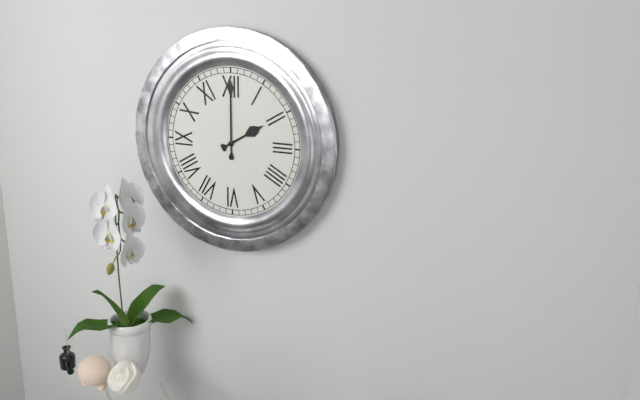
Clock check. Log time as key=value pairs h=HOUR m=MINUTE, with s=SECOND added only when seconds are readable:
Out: h=2 m=0
